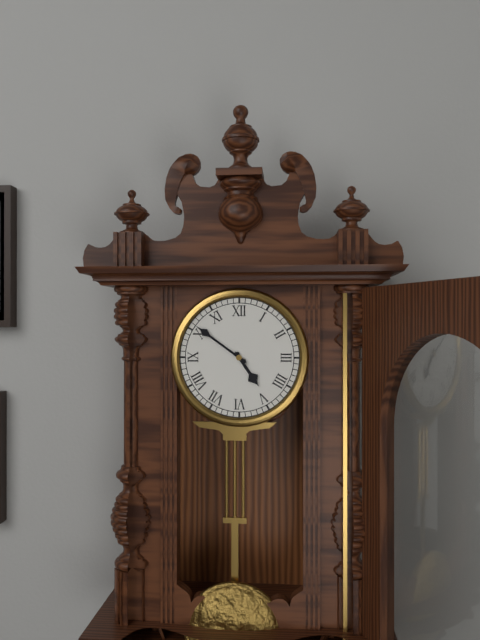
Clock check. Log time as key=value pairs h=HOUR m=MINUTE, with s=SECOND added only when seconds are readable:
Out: h=4 m=51
